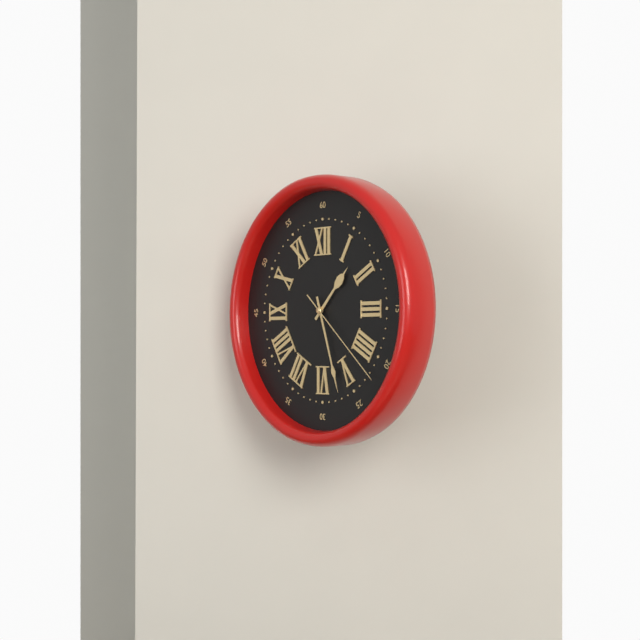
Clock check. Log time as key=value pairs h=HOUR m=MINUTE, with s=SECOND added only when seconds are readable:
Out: h=1 m=27 s=22
